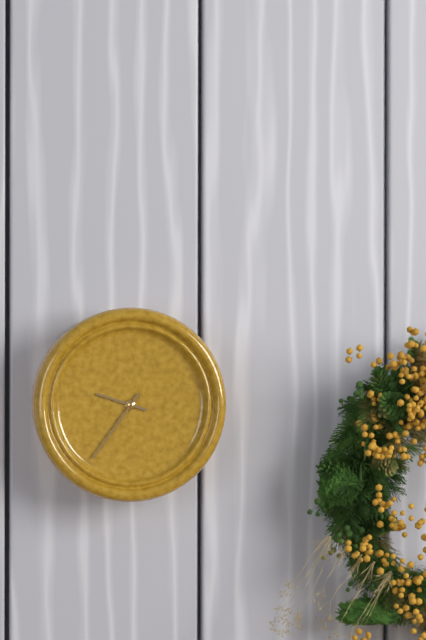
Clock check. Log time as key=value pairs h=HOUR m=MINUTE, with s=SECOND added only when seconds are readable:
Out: h=9 m=36
